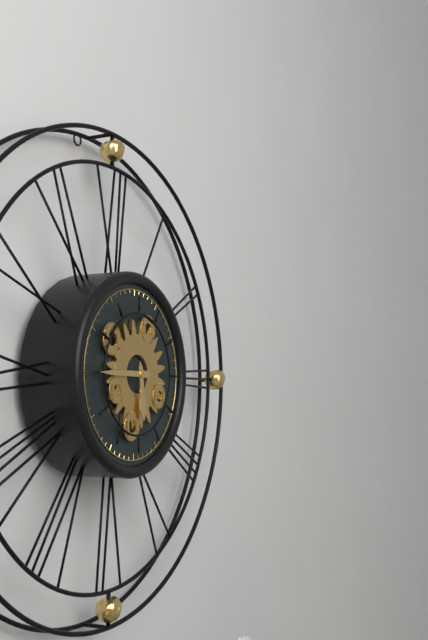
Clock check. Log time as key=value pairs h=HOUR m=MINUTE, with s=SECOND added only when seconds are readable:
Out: h=5 m=45
